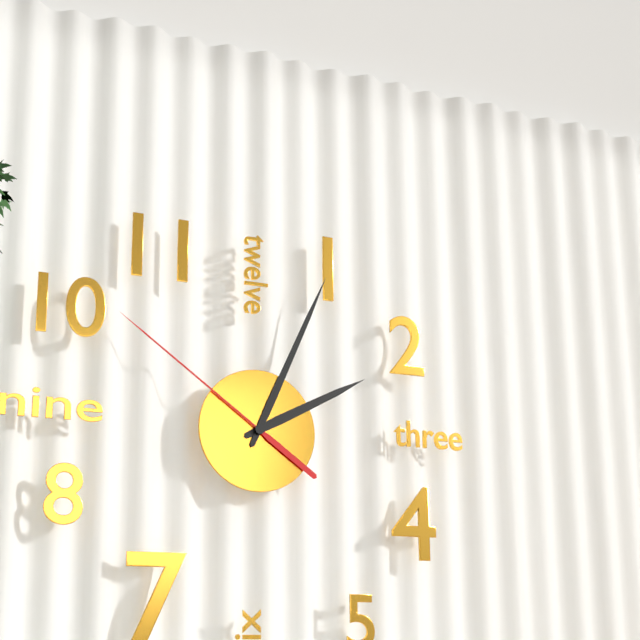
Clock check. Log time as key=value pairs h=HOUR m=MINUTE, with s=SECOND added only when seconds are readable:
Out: h=2 m=4 s=51
